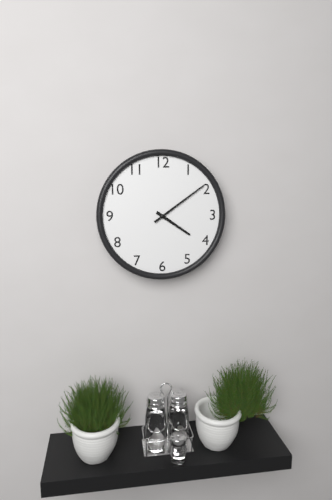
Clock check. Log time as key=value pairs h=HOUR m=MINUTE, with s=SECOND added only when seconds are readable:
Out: h=4 m=9
